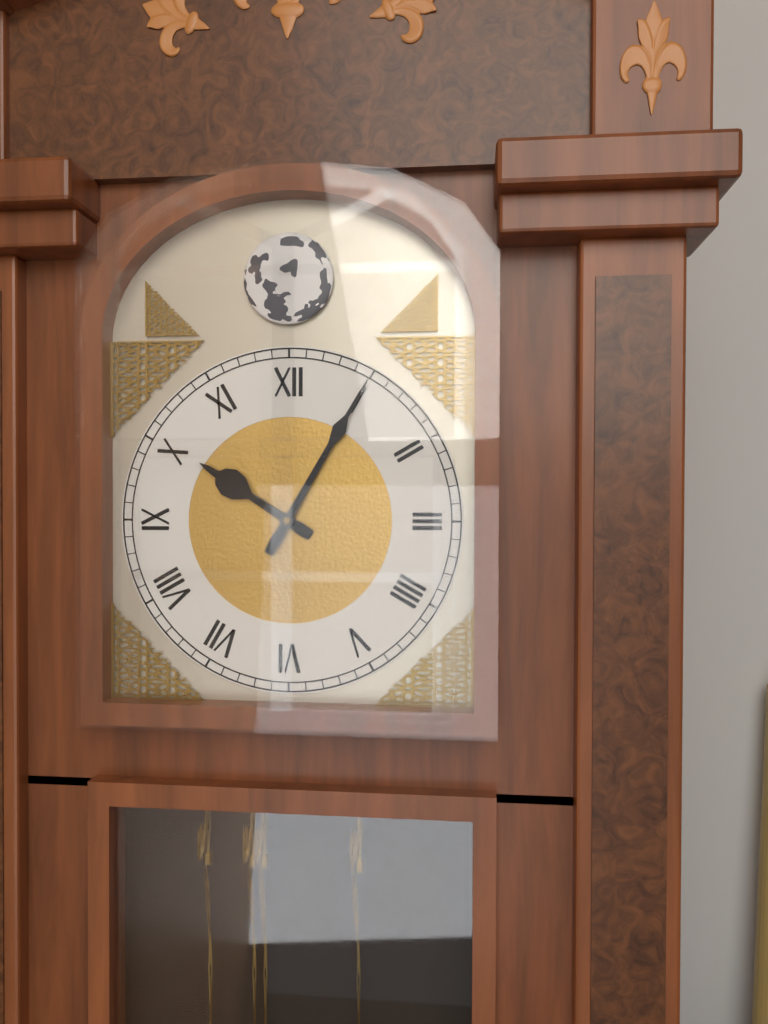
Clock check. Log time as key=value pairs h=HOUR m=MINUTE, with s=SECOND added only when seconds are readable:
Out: h=10 m=5
